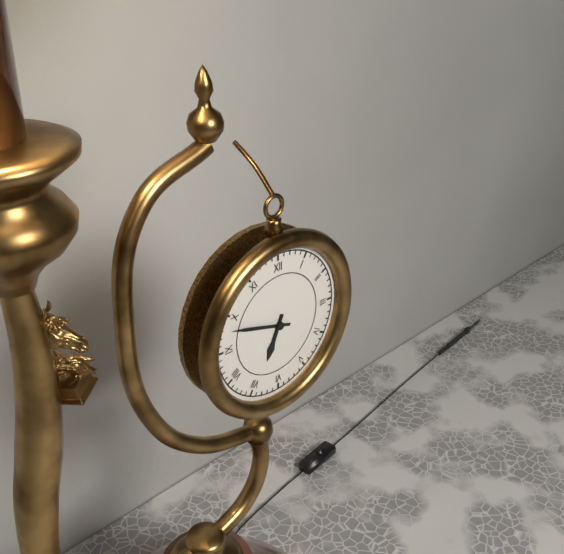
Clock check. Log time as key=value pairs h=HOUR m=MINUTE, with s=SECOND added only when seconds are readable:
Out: h=6 m=48
